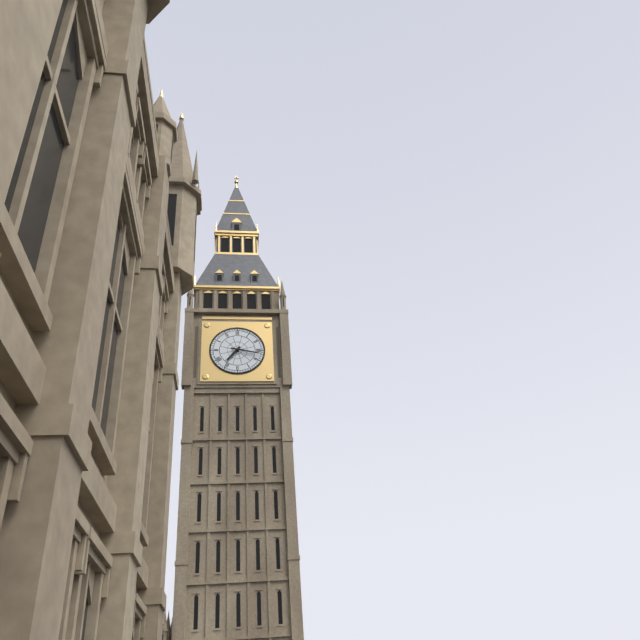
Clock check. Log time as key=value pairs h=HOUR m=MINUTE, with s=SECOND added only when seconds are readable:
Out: h=7 m=17
